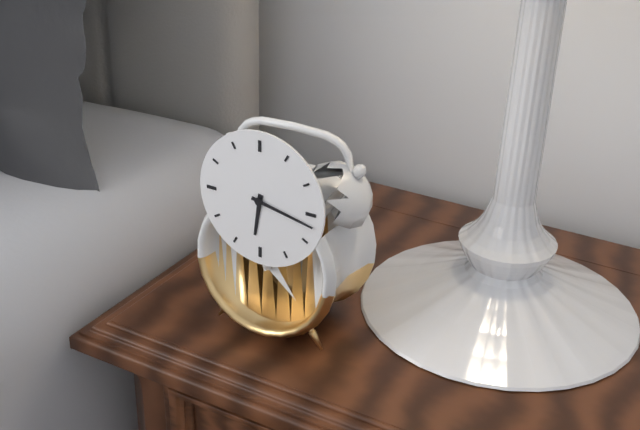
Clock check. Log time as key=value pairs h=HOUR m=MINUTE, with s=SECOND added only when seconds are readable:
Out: h=6 m=17
